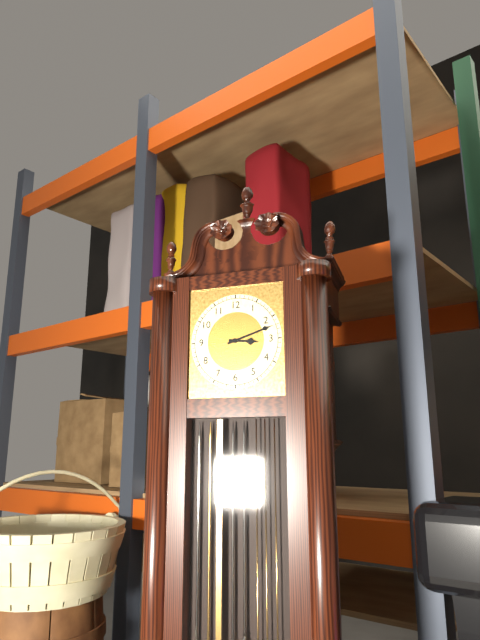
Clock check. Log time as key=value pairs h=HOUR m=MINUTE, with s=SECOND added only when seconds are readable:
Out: h=3 m=12
